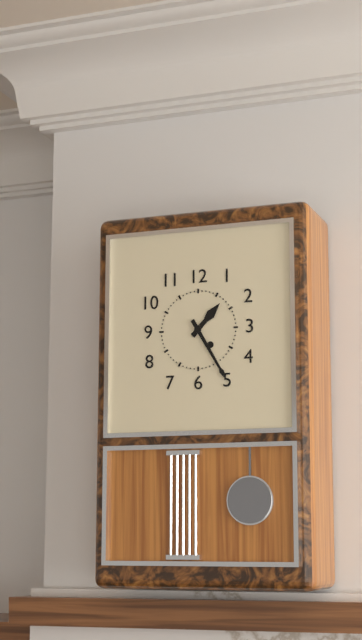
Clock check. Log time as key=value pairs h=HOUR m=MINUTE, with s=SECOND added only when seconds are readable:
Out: h=1 m=25
